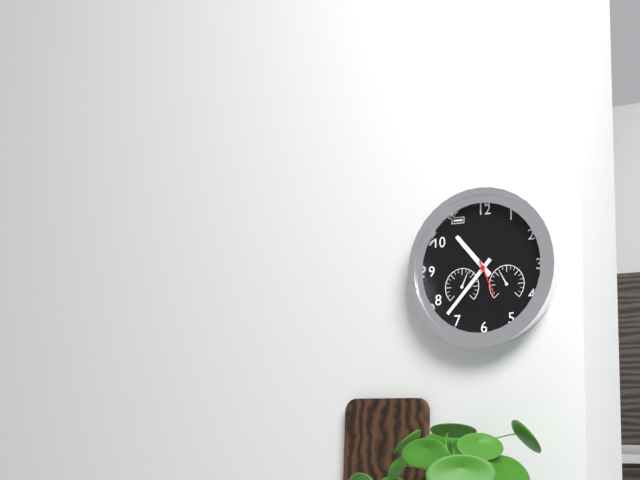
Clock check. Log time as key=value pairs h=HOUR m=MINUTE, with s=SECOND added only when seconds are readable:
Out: h=10 m=37
